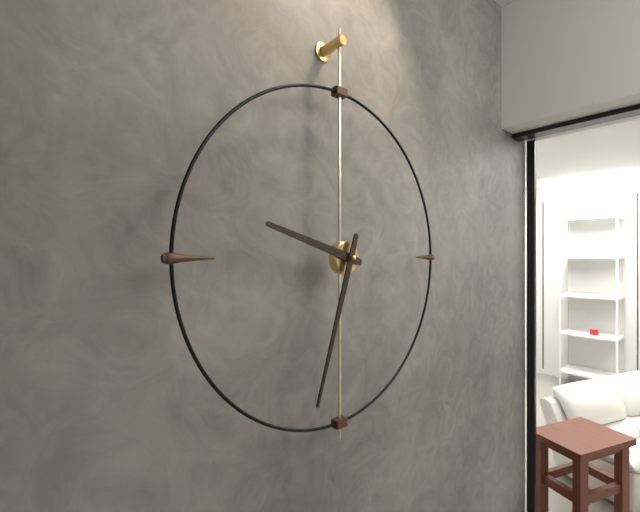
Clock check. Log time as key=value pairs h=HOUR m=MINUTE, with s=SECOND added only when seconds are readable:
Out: h=9 m=33
